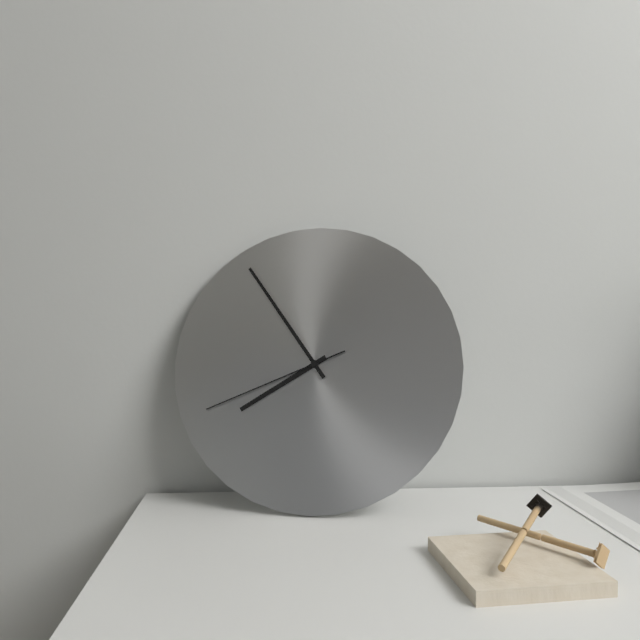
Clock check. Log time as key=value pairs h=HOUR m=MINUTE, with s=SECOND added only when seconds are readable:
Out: h=7 m=54 s=41
